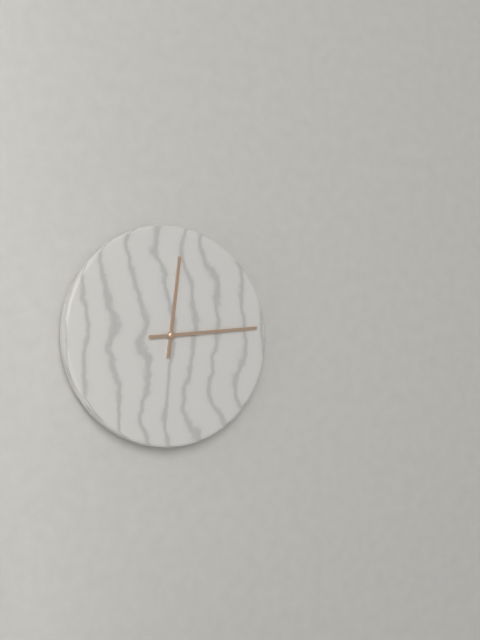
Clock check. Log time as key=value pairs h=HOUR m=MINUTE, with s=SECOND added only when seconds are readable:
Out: h=12 m=14
